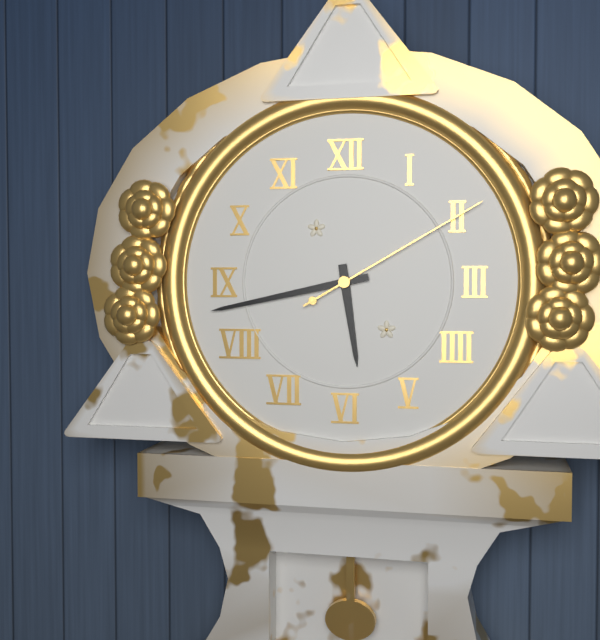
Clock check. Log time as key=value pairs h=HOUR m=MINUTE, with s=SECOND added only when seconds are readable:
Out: h=5 m=43 s=10
